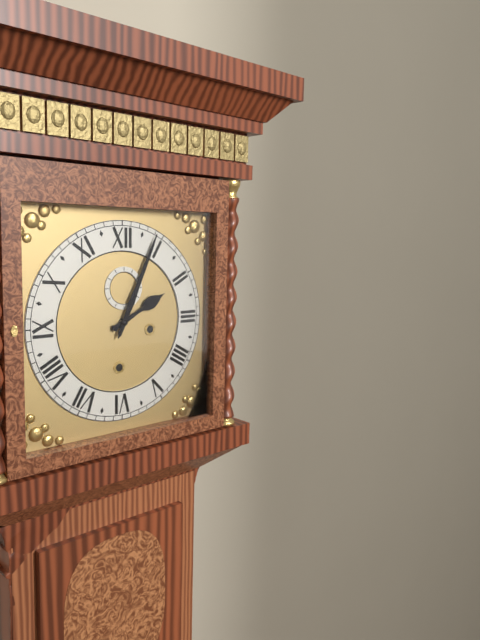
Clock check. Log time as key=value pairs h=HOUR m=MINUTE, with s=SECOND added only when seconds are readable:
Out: h=2 m=4
